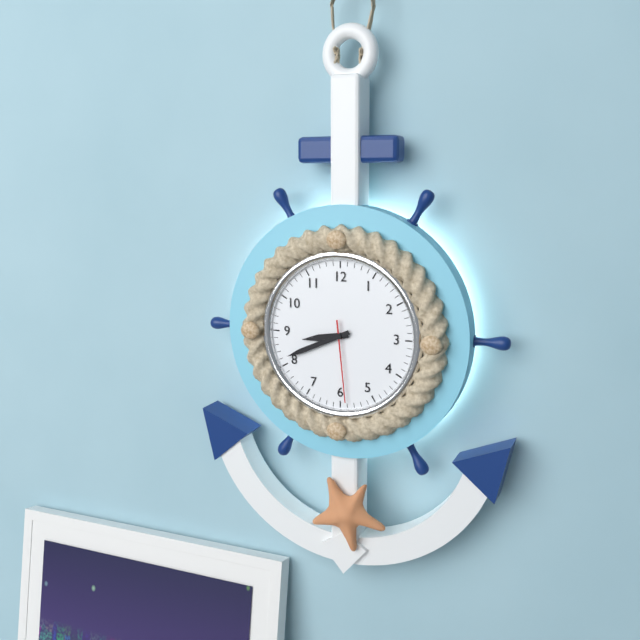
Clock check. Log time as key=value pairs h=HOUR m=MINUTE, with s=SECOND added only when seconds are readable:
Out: h=8 m=41 s=29
